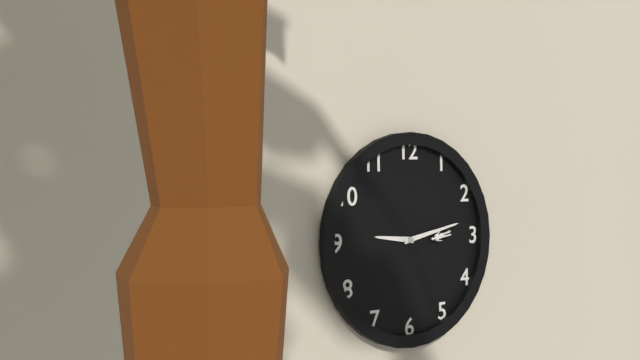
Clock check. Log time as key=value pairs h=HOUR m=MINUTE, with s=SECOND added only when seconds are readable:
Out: h=9 m=13
